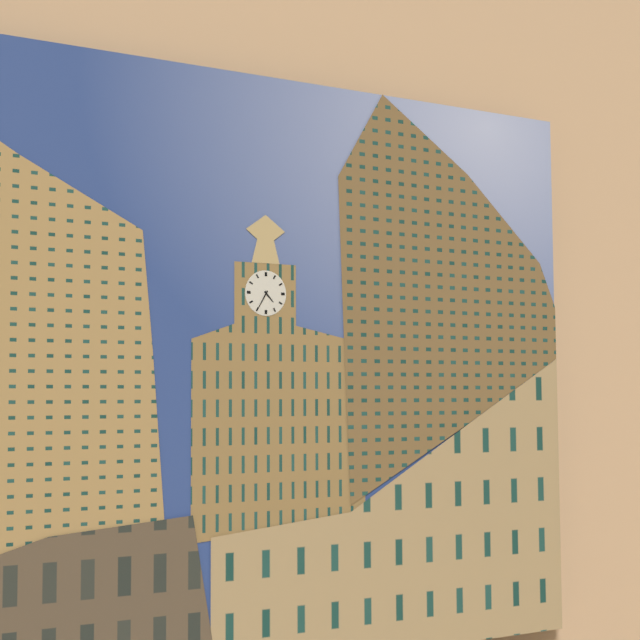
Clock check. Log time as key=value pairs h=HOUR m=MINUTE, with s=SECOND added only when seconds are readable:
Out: h=4 m=35
